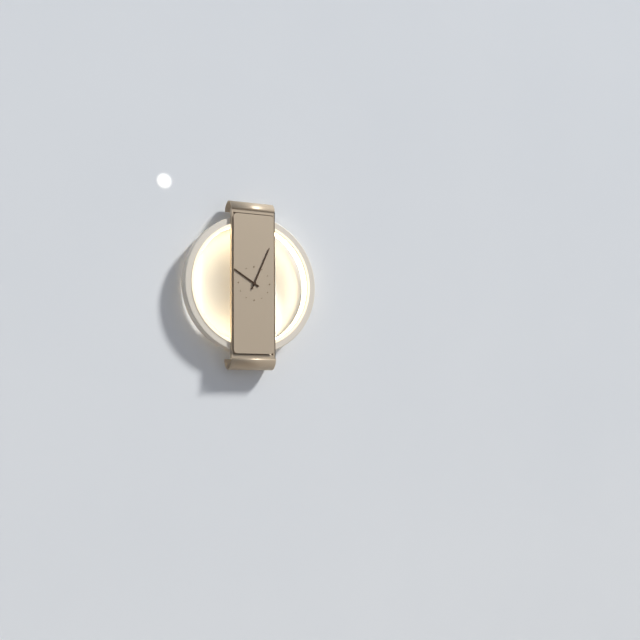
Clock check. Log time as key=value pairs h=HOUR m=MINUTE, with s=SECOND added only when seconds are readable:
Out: h=10 m=4
